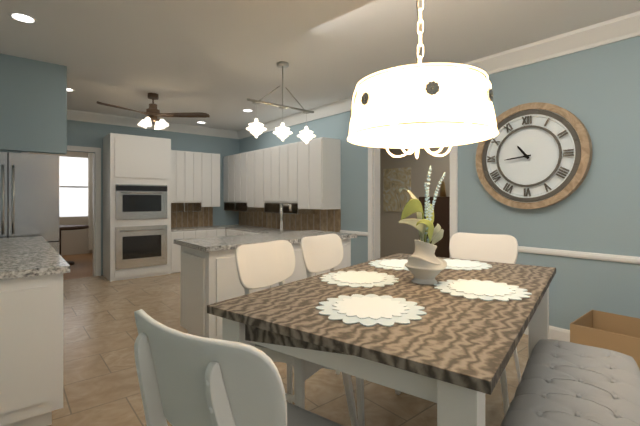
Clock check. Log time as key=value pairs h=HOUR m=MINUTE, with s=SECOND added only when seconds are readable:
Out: h=10 m=44
